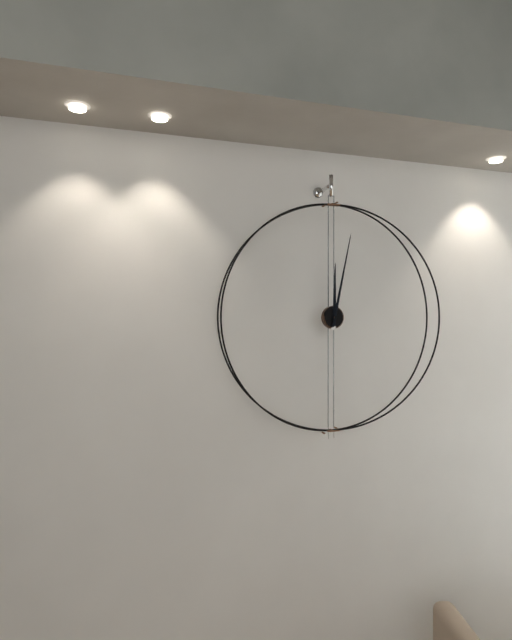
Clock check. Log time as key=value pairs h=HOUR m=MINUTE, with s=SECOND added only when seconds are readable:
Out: h=12 m=2
